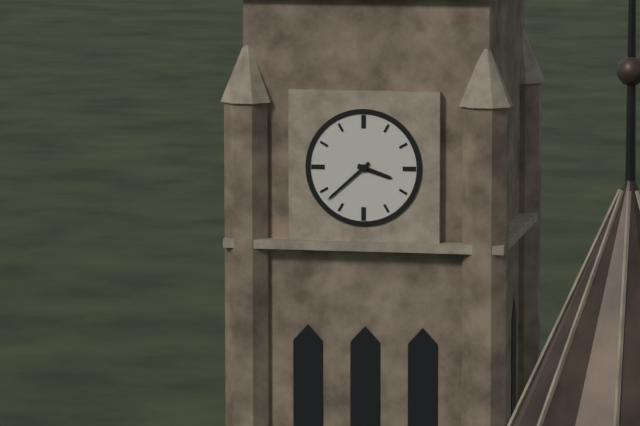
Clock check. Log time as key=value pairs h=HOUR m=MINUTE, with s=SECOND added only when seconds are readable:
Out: h=3 m=38
